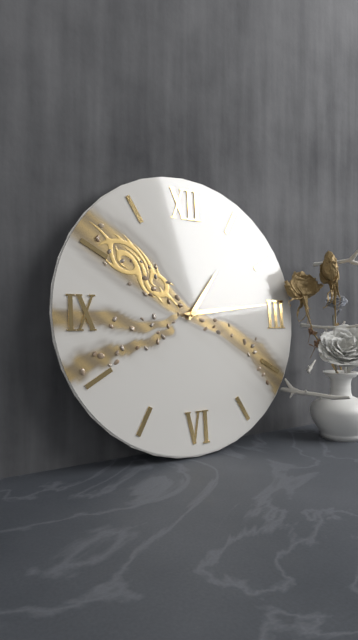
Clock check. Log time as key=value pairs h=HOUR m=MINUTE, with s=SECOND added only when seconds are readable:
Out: h=1 m=14
